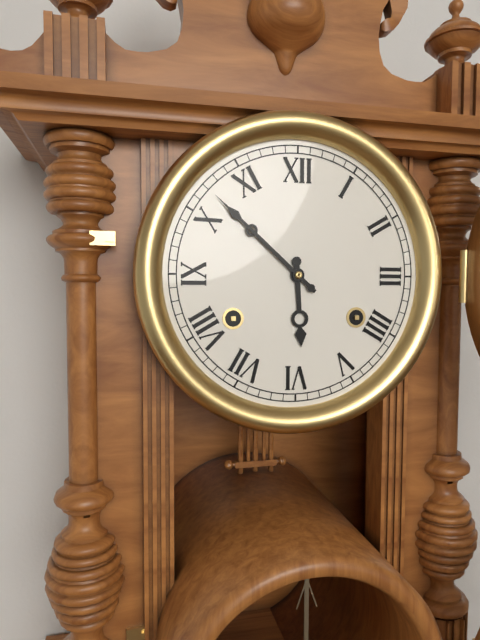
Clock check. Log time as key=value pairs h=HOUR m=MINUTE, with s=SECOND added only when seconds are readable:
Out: h=5 m=52
